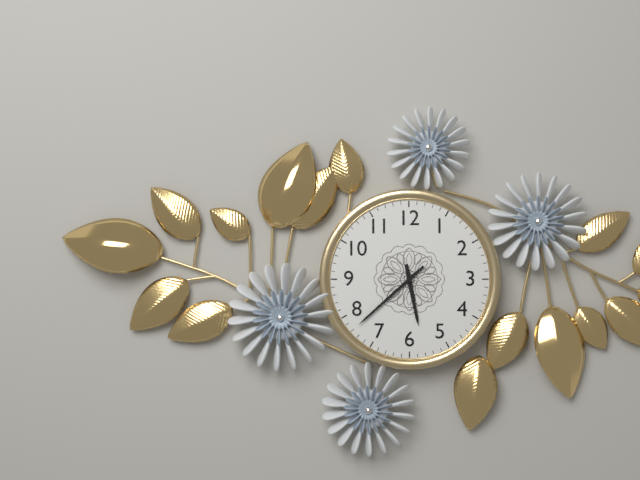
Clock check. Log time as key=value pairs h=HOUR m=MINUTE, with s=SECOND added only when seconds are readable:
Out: h=5 m=38
